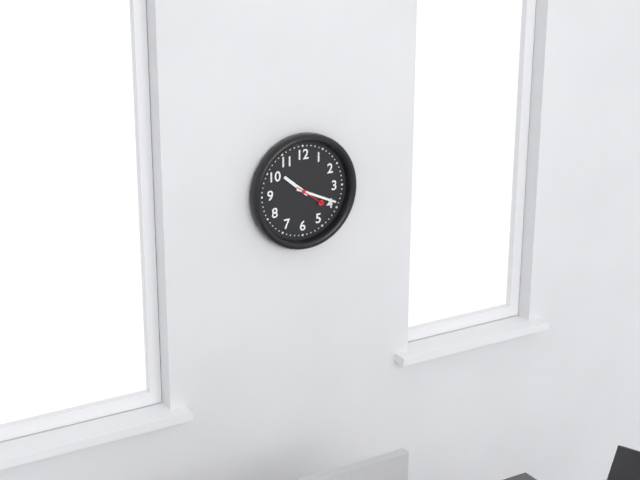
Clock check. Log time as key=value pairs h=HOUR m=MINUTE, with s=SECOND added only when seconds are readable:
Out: h=10 m=19
